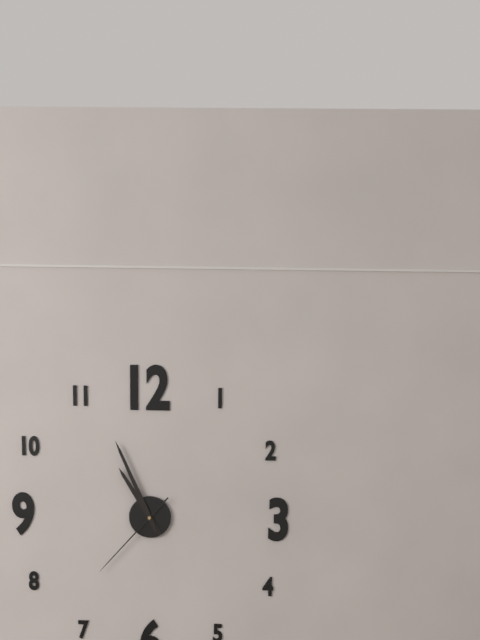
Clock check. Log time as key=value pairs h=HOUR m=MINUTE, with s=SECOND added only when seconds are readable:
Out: h=10 m=56 s=37
